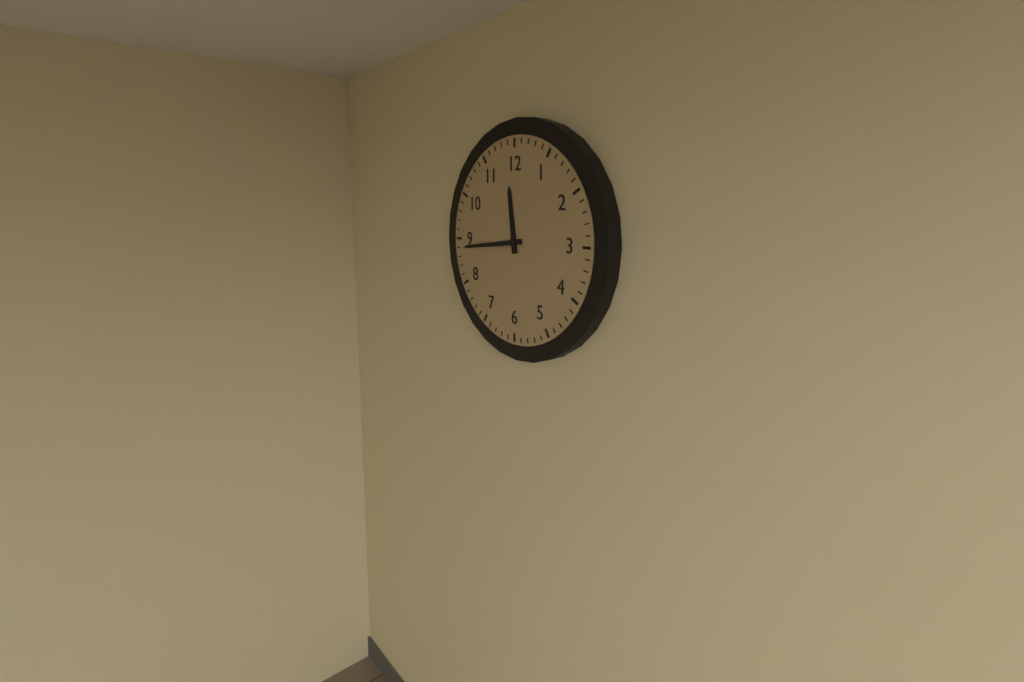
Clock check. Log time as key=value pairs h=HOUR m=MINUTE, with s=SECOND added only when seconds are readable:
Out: h=11 m=44
